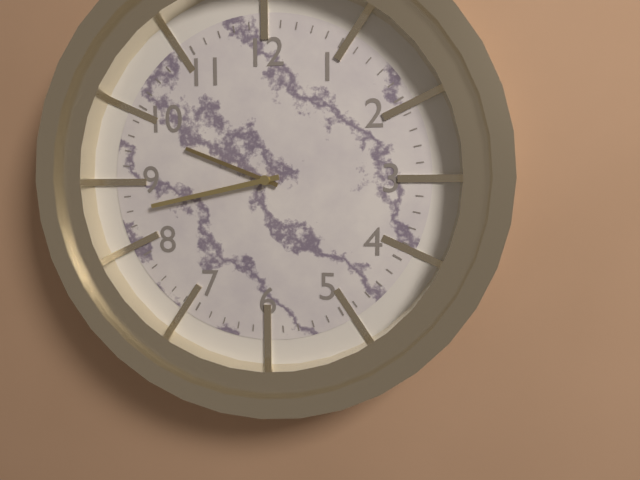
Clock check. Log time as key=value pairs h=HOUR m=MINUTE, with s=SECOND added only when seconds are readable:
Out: h=9 m=43
